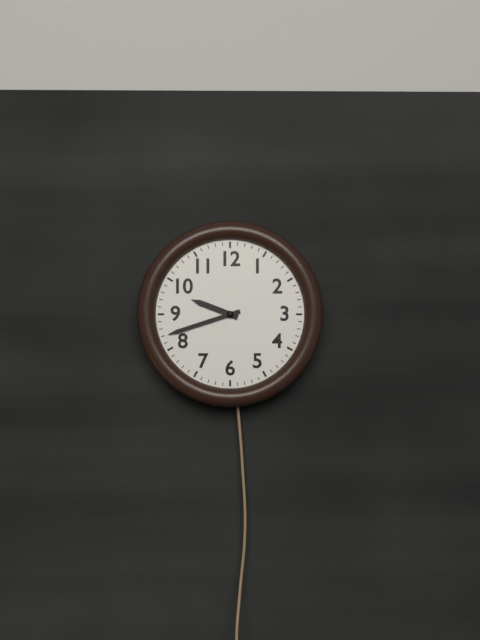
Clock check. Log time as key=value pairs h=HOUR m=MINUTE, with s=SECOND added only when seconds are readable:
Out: h=9 m=42
